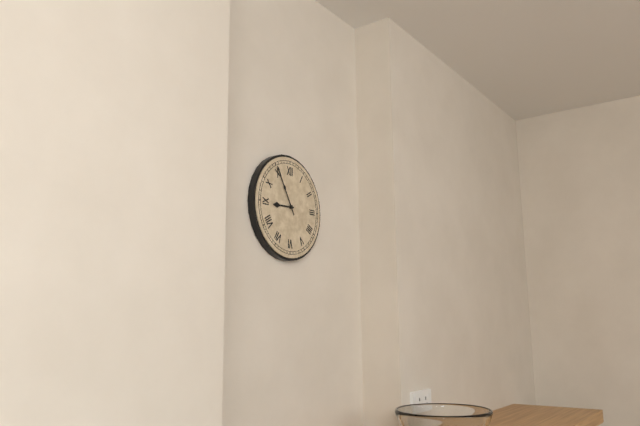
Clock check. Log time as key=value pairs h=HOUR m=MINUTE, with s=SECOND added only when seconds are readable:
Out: h=8 m=55
